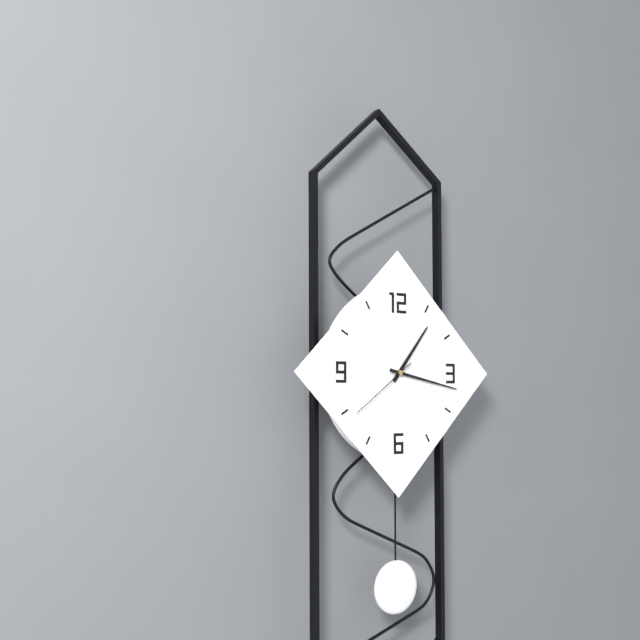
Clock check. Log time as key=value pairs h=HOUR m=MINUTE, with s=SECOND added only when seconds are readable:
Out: h=1 m=17 s=39
